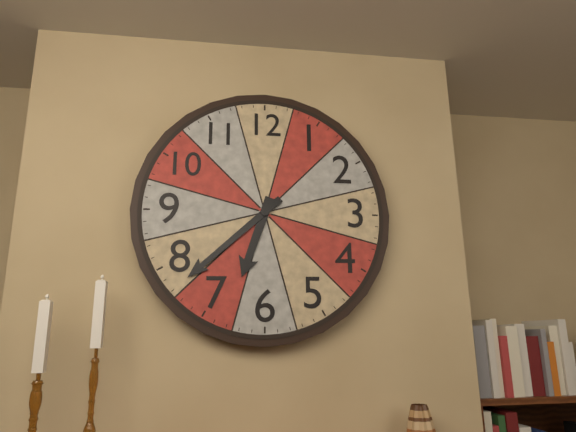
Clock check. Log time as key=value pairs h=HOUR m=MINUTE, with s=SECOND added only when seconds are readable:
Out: h=6 m=38
